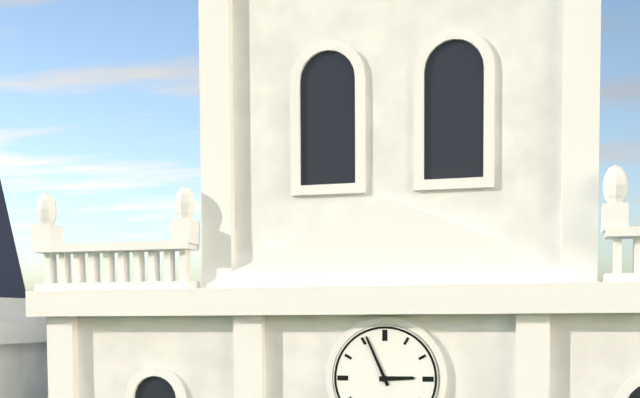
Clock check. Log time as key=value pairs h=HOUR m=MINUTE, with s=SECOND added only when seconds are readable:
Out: h=2 m=56
